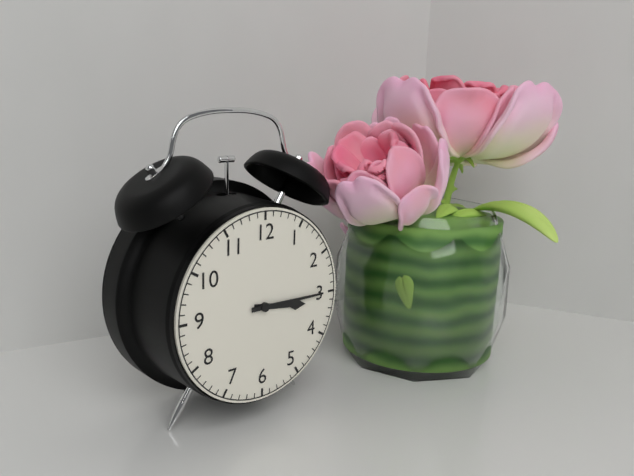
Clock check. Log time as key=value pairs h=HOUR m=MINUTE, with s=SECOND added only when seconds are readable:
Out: h=3 m=15
